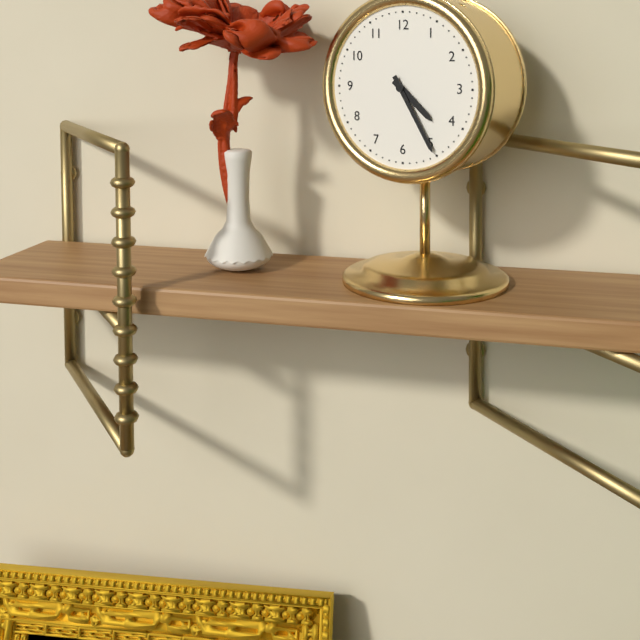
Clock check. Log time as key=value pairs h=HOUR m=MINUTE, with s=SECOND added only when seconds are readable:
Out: h=4 m=25
